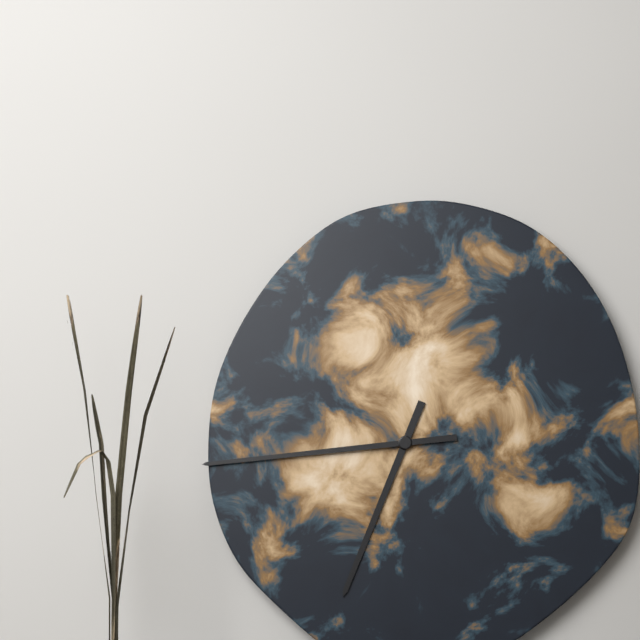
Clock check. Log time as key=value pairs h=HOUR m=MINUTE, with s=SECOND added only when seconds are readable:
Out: h=6 m=44
